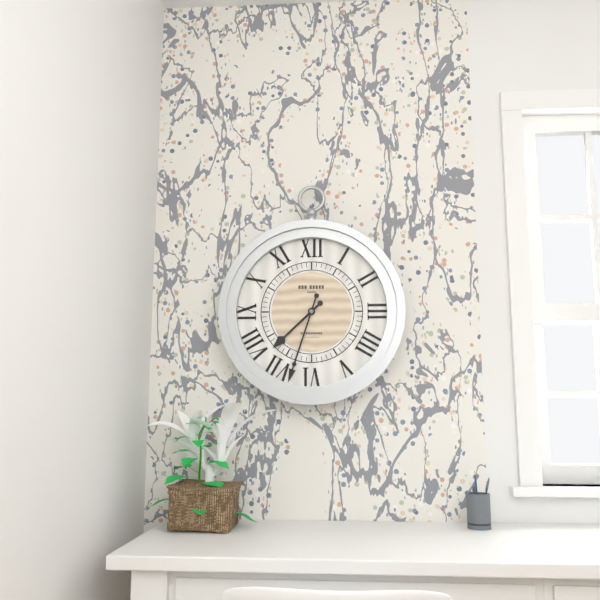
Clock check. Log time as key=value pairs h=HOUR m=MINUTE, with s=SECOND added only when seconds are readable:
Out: h=7 m=33
